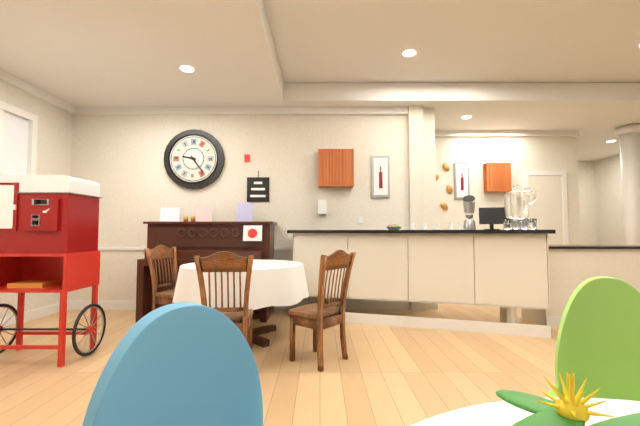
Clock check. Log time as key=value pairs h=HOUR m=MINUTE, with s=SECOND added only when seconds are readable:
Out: h=9 m=24
